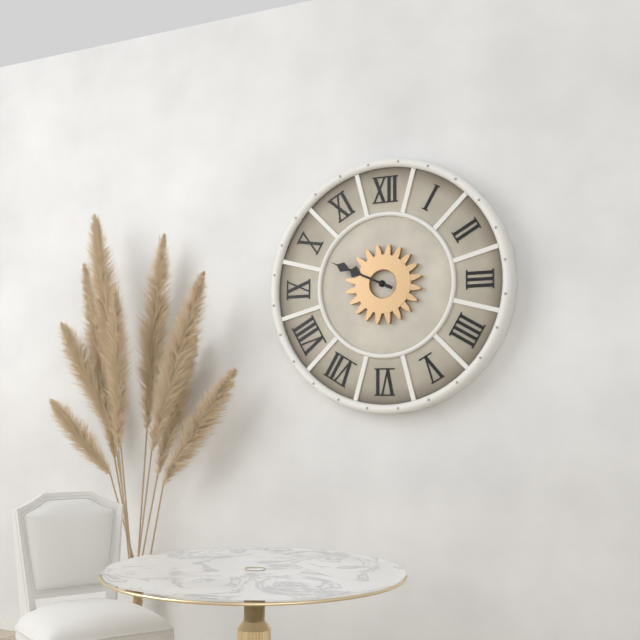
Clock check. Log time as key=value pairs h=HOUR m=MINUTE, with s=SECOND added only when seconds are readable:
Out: h=9 m=49
